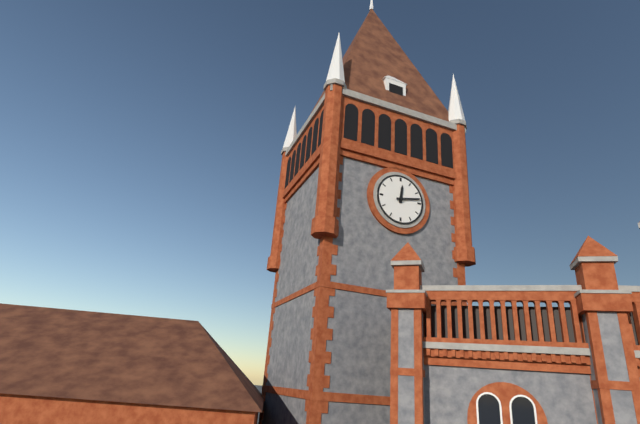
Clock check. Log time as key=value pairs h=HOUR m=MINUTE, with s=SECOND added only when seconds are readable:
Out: h=12 m=13
